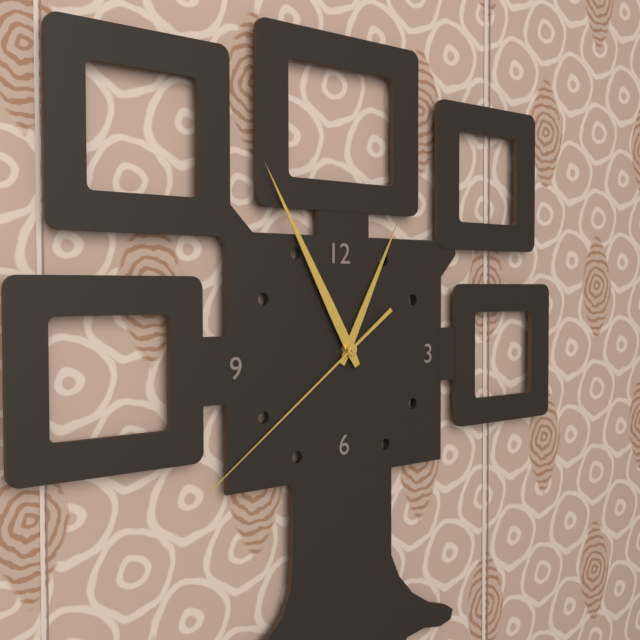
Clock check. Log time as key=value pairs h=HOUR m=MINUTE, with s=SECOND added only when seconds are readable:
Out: h=12 m=55 s=39
